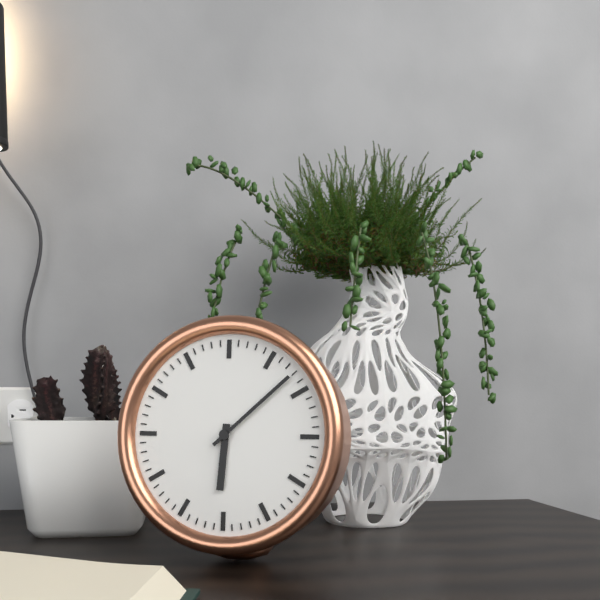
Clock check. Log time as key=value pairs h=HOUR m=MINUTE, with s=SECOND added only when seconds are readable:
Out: h=6 m=8
